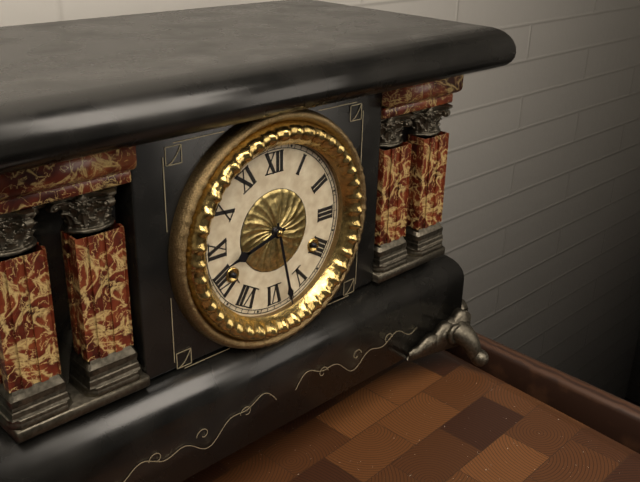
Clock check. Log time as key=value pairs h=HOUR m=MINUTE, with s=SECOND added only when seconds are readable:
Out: h=8 m=28
